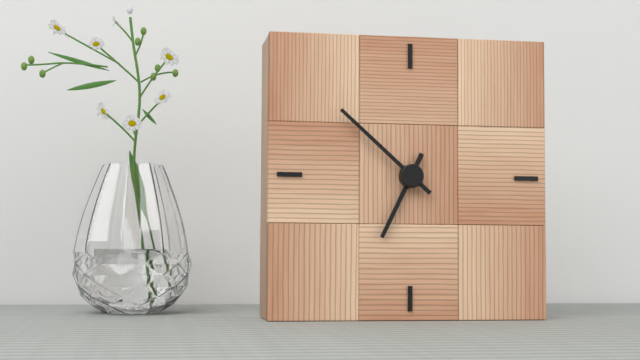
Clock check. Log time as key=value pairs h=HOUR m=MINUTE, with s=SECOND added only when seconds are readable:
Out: h=6 m=52
